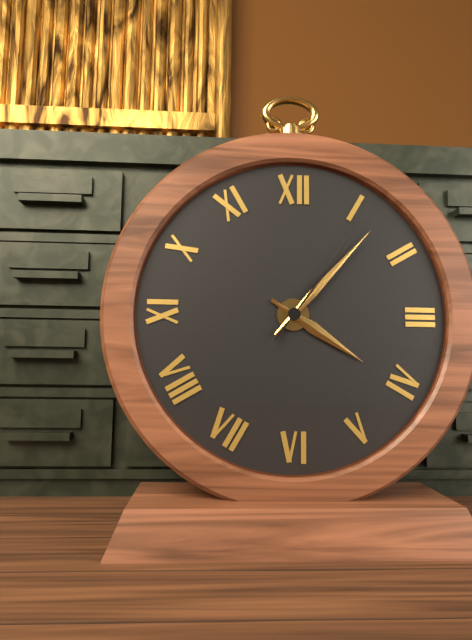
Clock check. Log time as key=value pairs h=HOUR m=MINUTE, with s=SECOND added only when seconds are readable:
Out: h=4 m=7 s=6
